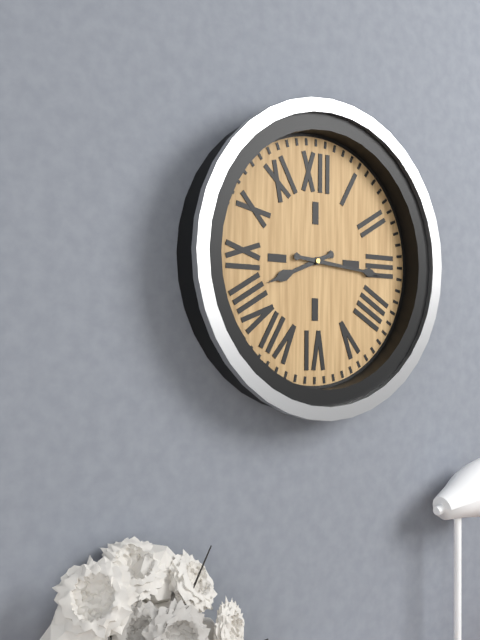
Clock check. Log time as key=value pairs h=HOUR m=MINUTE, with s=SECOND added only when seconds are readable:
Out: h=8 m=16
